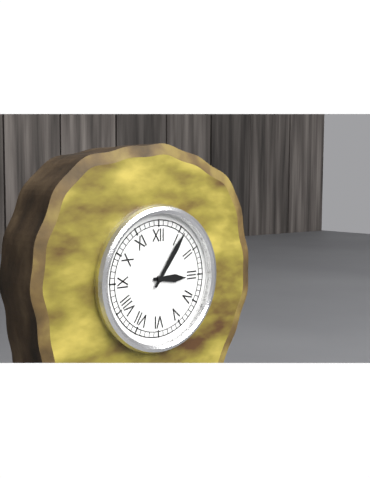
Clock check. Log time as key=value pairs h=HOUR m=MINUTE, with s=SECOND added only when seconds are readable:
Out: h=3 m=6
